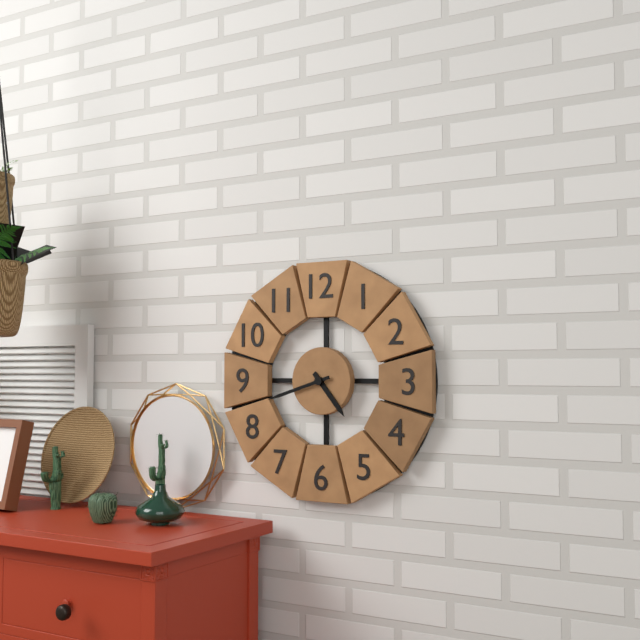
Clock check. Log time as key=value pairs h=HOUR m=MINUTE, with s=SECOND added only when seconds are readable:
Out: h=4 m=42
